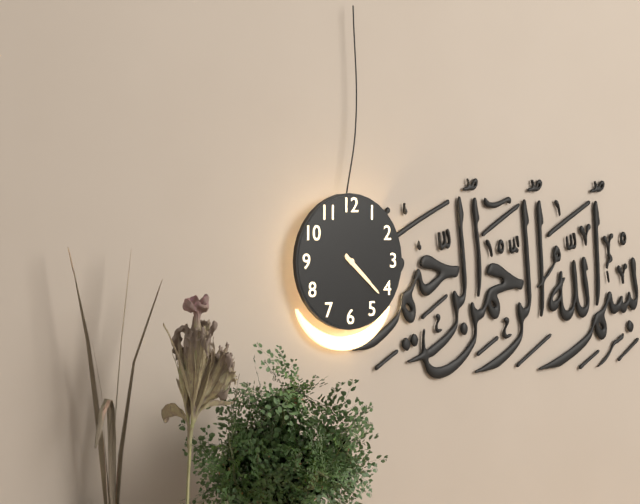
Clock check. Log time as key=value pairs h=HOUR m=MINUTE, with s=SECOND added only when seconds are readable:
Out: h=4 m=22
